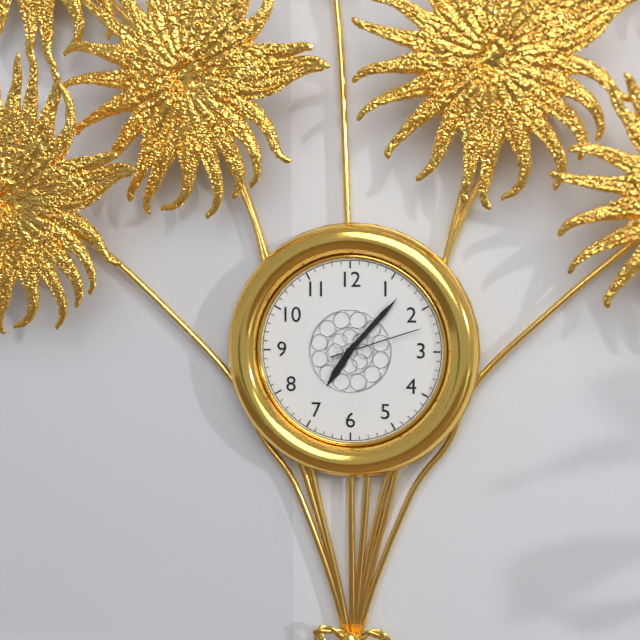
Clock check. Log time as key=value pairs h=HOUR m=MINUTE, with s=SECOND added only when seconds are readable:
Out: h=7 m=7 s=12
